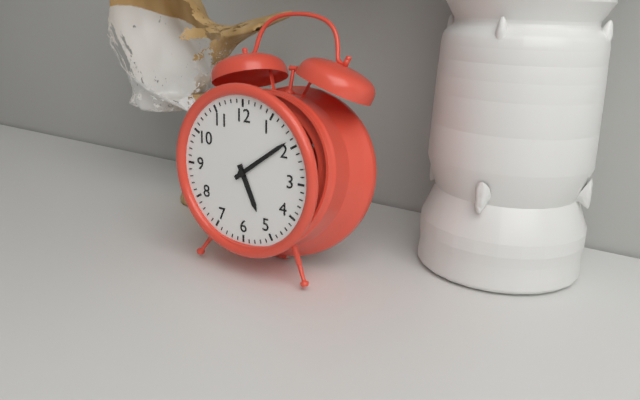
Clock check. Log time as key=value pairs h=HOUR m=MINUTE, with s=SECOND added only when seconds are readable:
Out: h=5 m=9
